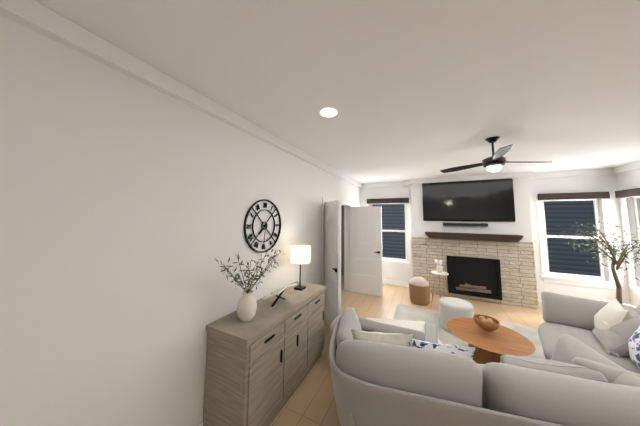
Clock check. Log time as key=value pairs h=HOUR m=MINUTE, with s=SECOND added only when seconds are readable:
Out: h=7 m=31
